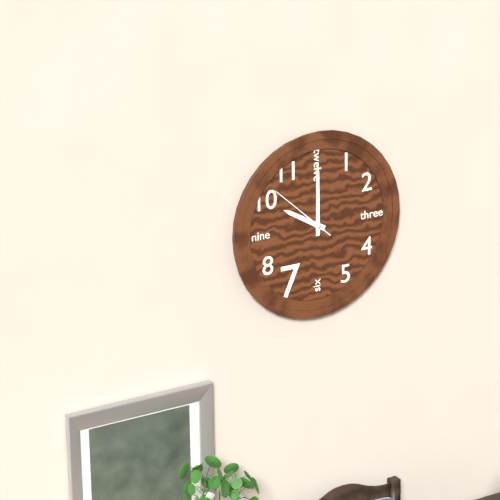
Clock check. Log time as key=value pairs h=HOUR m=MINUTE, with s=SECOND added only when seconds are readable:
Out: h=10 m=0 s=52
